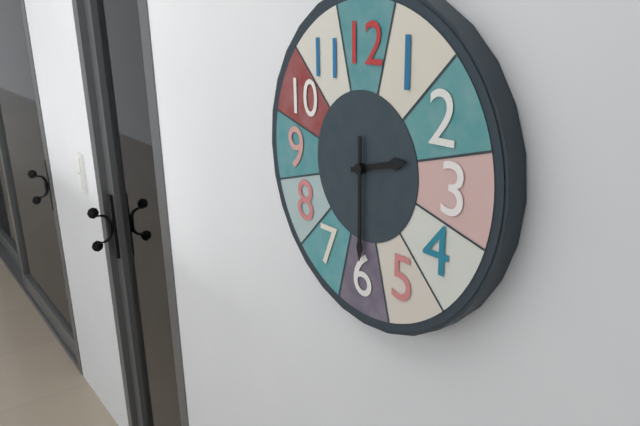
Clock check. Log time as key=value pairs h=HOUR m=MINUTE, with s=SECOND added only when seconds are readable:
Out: h=2 m=30
